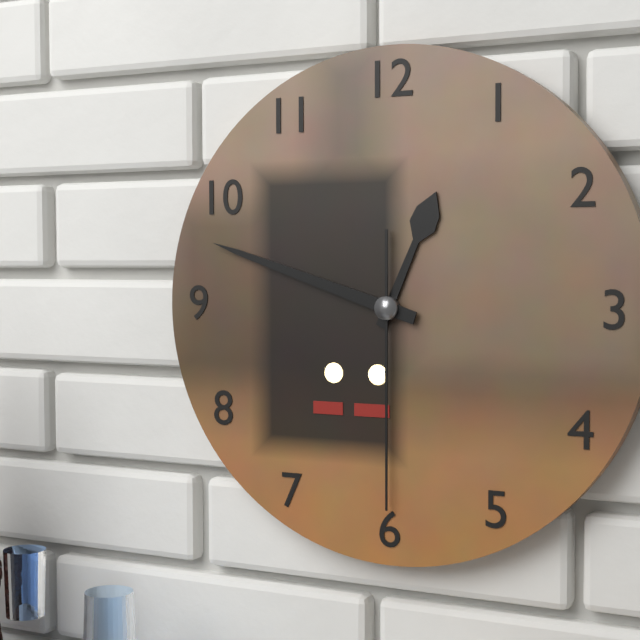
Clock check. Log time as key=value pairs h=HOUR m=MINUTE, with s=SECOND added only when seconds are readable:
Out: h=12 m=48 s=30
